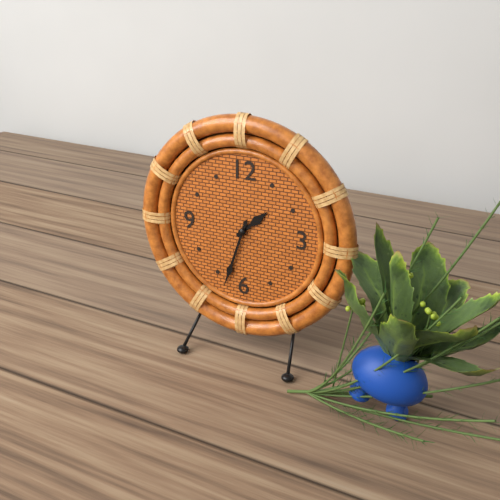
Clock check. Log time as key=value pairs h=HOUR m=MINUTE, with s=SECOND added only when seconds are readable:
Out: h=1 m=33
